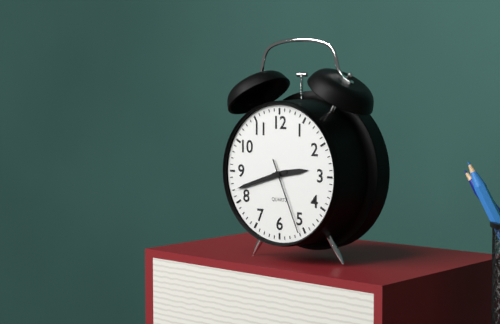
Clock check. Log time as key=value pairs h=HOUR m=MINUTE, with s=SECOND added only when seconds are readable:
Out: h=2 m=42 s=26
